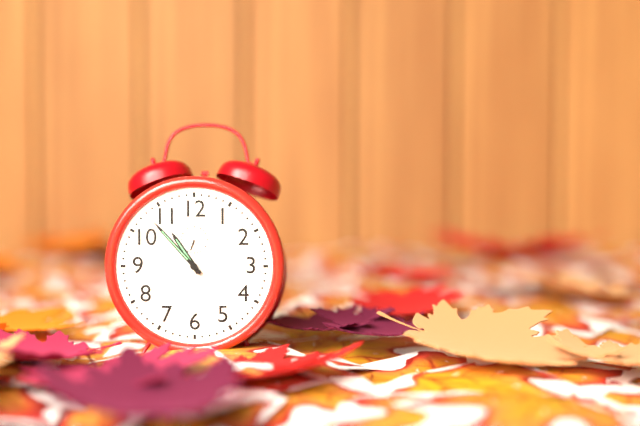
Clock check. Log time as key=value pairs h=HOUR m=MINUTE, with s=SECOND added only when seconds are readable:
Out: h=10 m=53
